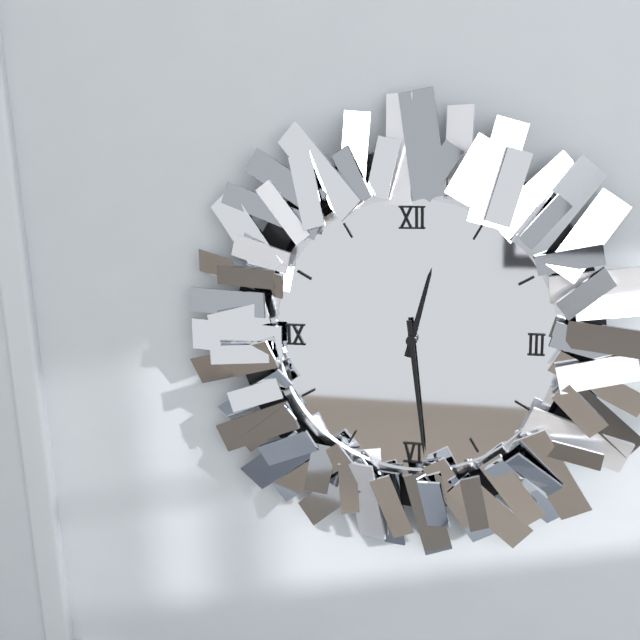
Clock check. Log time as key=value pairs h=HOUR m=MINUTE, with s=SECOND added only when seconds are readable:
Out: h=12 m=29
